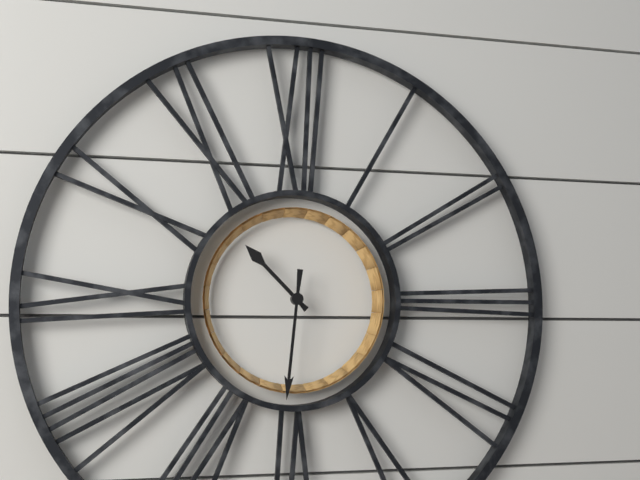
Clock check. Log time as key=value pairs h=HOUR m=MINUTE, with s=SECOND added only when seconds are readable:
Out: h=10 m=31
